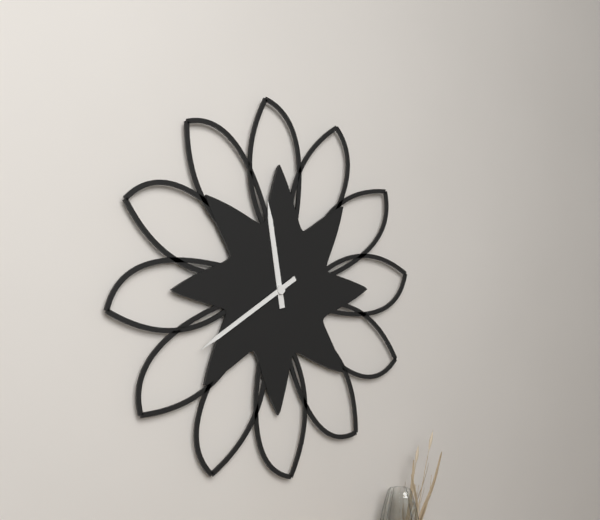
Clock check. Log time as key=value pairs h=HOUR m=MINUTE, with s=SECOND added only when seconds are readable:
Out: h=11 m=40
